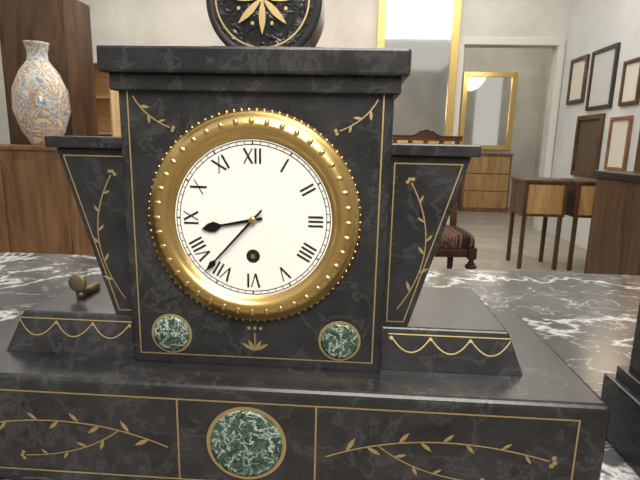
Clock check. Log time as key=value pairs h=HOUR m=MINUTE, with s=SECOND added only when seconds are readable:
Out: h=8 m=37
